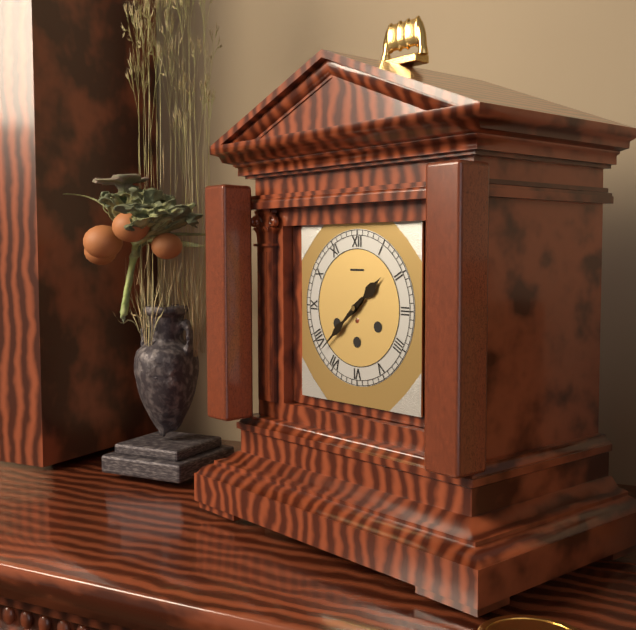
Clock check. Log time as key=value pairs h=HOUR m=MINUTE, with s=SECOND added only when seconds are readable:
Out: h=1 m=38
